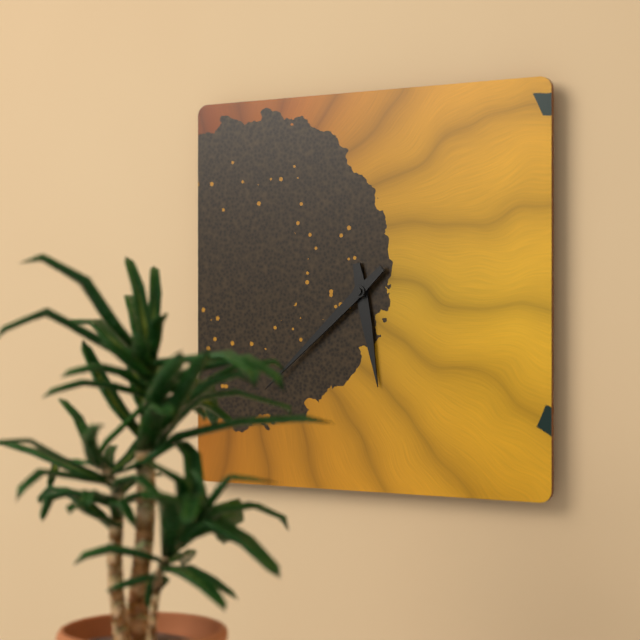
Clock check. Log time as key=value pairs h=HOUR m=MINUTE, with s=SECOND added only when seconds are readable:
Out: h=5 m=38
